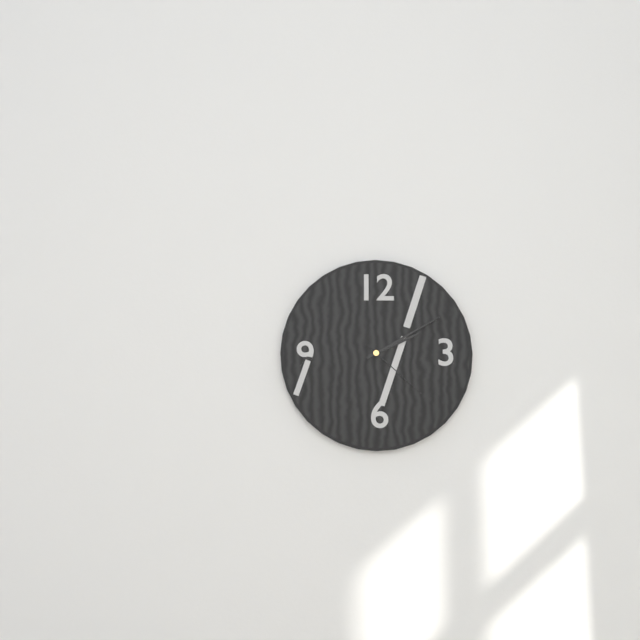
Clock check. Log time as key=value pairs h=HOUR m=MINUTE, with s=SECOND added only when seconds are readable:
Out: h=2 m=10 s=22
